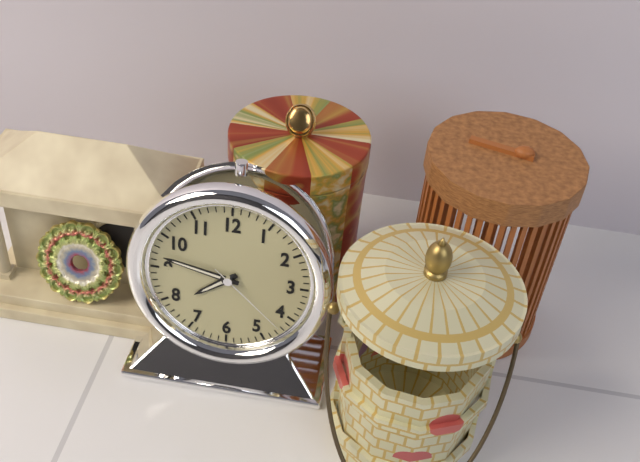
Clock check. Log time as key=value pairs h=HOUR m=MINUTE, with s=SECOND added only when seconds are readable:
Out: h=7 m=47 s=22
